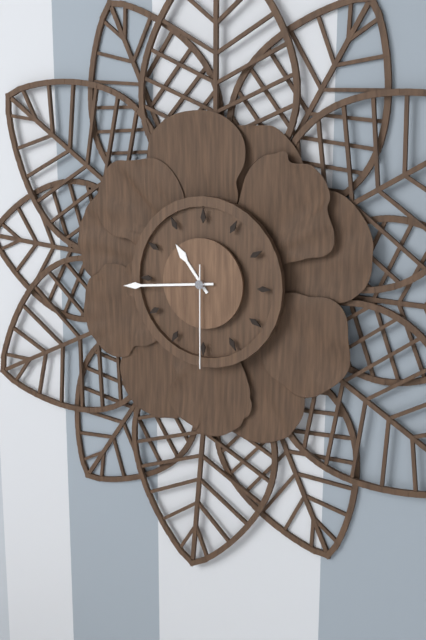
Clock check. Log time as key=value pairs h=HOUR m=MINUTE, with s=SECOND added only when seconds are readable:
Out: h=10 m=44 s=30
